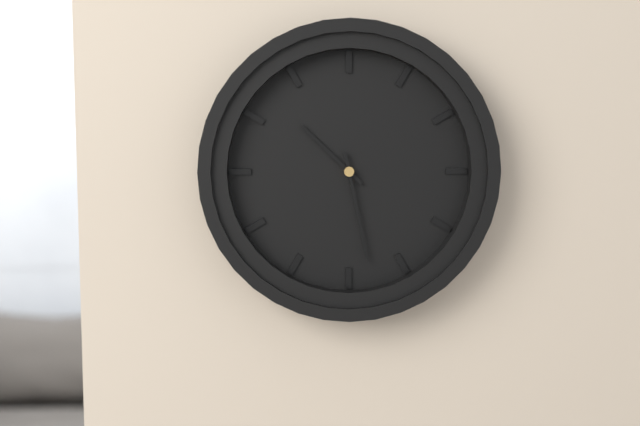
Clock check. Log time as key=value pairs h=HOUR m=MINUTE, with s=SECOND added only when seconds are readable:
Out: h=10 m=28
